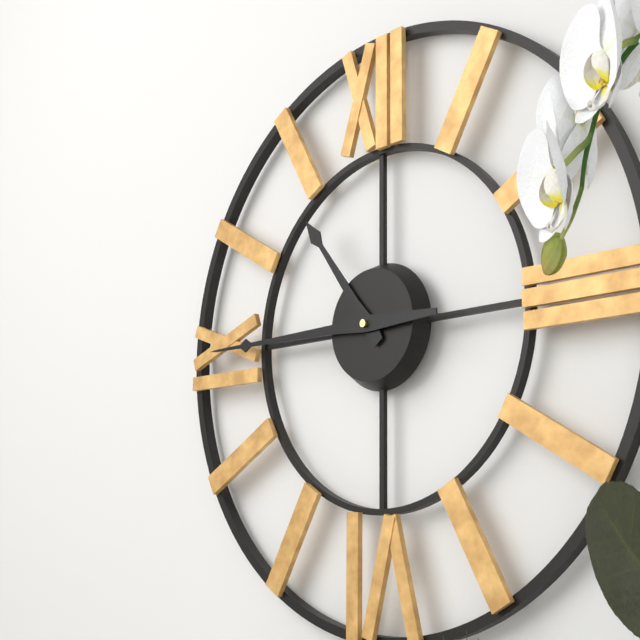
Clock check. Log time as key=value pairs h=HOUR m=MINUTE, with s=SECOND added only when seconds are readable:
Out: h=10 m=45
